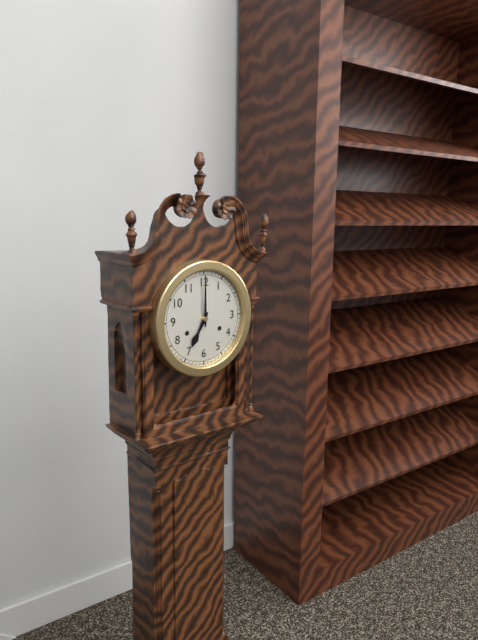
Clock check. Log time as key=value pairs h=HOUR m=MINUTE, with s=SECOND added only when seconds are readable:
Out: h=7 m=0
